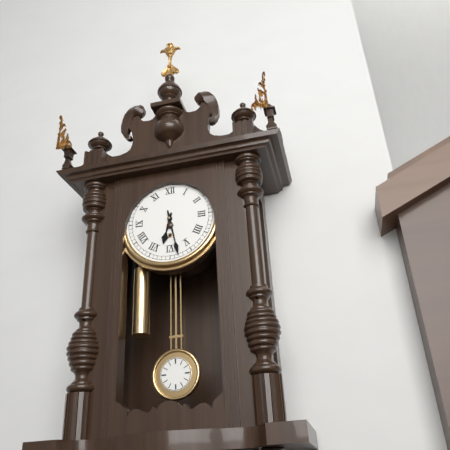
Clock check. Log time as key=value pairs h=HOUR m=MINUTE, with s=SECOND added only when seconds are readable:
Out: h=6 m=28
